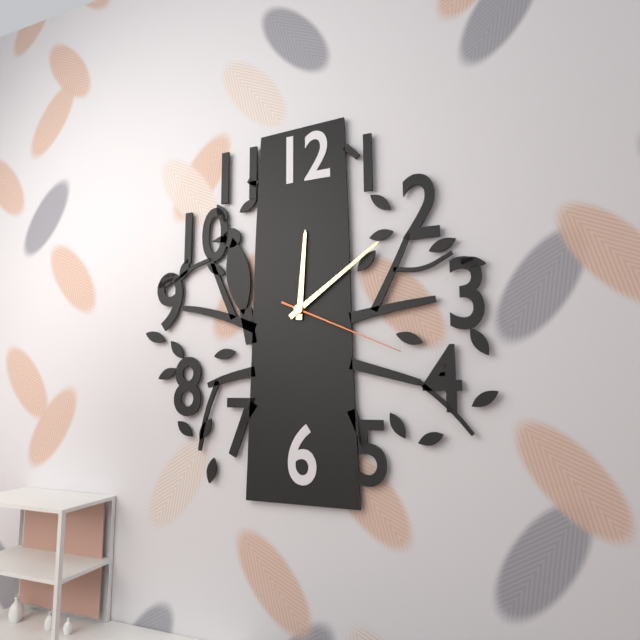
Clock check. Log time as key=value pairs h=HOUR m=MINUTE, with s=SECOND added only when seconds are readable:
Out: h=12 m=9 s=19
